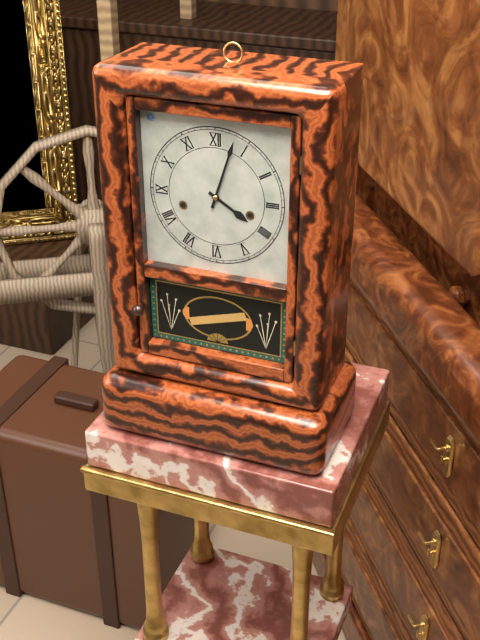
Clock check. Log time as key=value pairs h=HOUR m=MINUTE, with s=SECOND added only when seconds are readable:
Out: h=4 m=3
